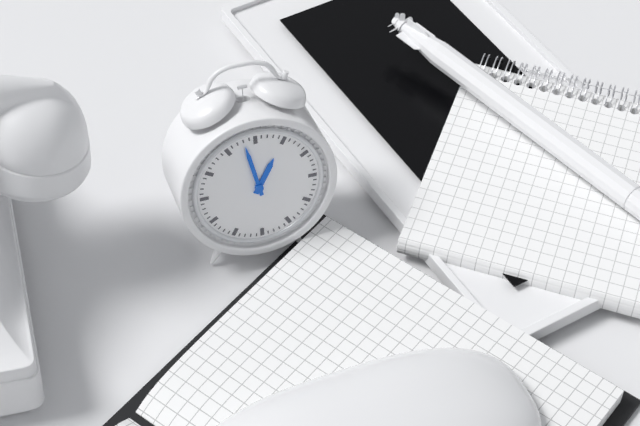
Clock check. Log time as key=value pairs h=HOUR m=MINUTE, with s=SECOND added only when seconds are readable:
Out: h=12 m=58
